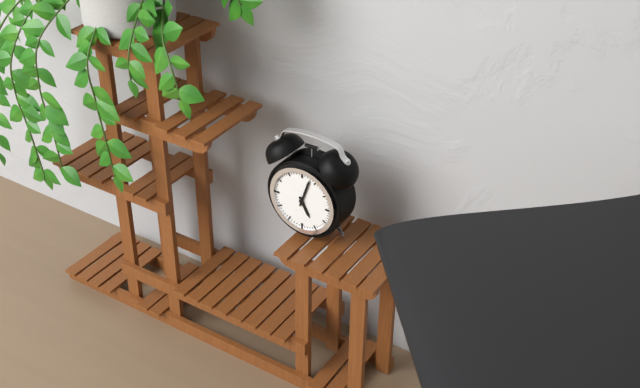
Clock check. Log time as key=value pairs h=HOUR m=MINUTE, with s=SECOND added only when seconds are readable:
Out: h=5 m=3
